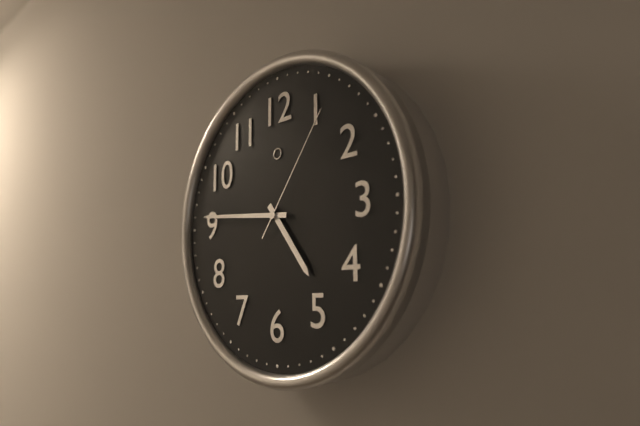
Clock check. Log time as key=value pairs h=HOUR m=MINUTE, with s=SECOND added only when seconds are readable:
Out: h=4 m=46 s=6
